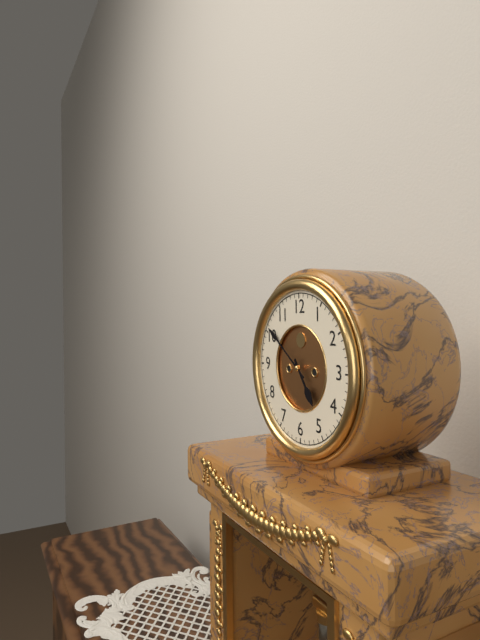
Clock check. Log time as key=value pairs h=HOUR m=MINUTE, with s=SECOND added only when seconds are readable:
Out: h=4 m=51
